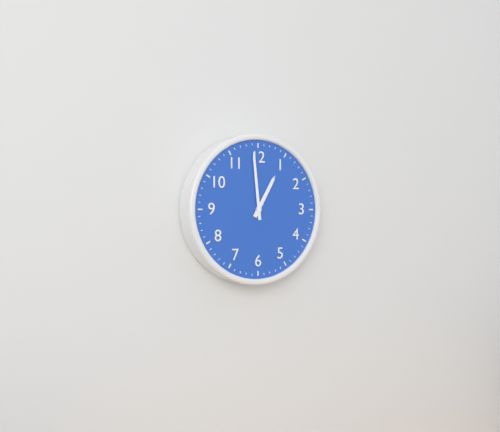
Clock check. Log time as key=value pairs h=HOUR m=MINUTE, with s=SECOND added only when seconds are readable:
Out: h=12 m=59
